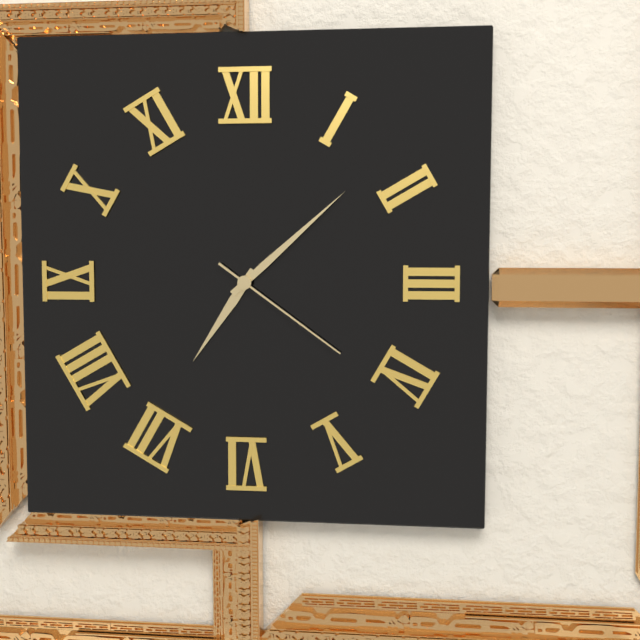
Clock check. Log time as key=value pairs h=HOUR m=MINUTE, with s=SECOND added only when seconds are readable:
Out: h=7 m=8 s=21
